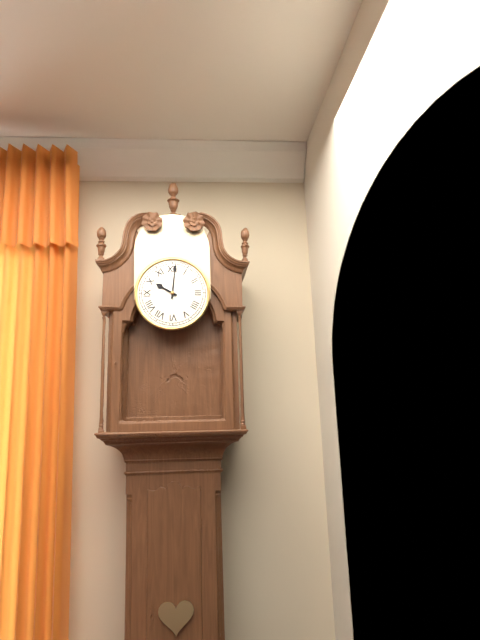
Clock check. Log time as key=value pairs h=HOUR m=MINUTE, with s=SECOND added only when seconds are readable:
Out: h=10 m=1
